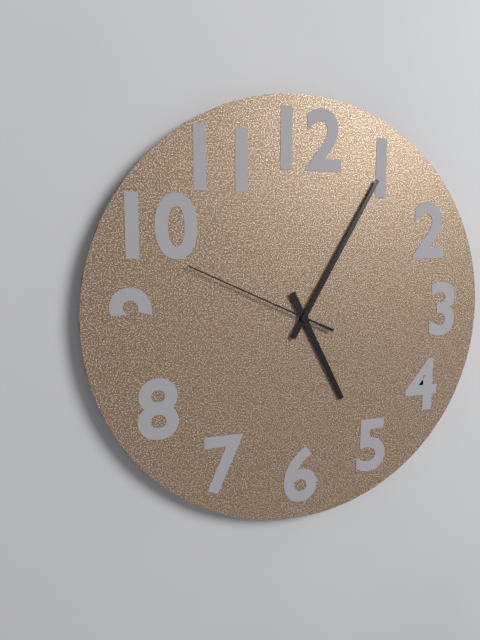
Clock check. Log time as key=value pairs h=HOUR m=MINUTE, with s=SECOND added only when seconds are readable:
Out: h=5 m=5 s=49
